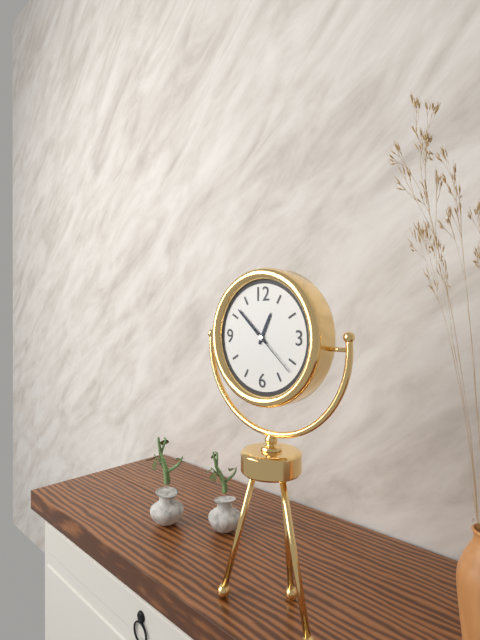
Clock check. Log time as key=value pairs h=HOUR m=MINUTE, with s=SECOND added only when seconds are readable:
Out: h=12 m=52 s=22
